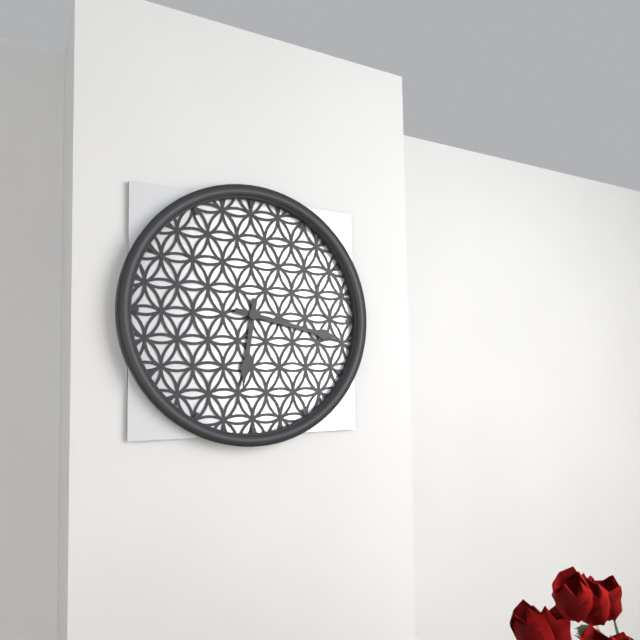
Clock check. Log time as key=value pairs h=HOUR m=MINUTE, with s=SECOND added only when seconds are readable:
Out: h=6 m=17
